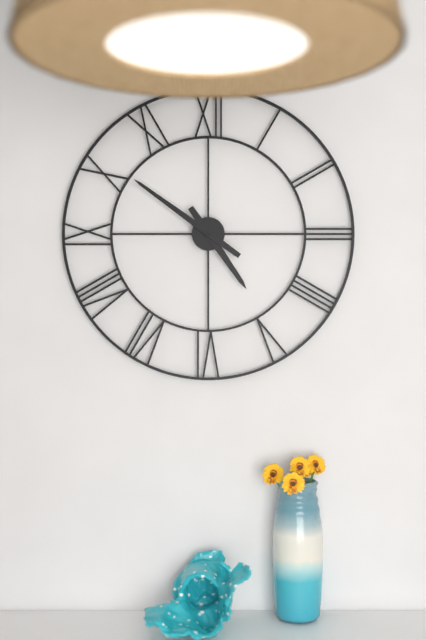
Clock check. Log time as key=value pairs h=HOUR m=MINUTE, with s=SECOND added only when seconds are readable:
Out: h=4 m=51
